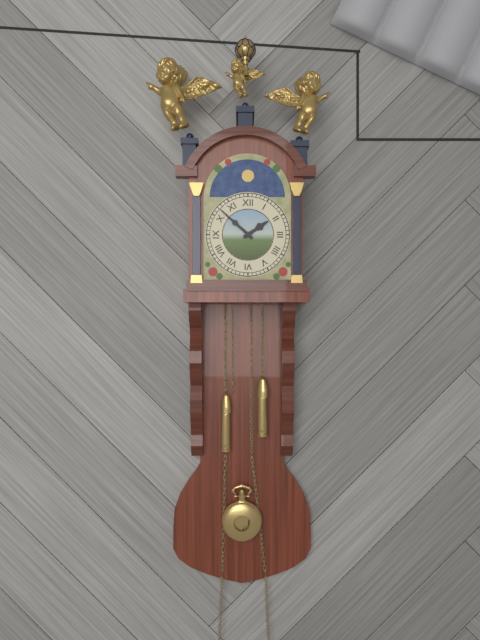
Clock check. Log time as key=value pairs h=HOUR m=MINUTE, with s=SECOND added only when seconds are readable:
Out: h=1 m=52
